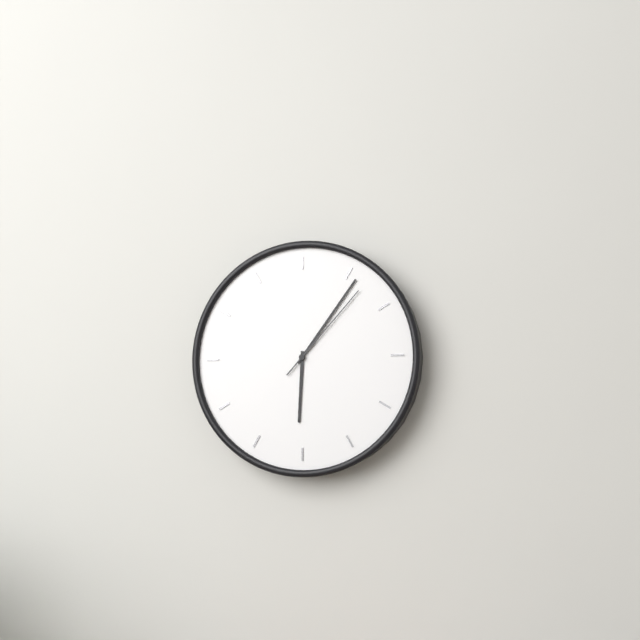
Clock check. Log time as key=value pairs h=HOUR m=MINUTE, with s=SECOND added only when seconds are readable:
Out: h=6 m=6 s=7
